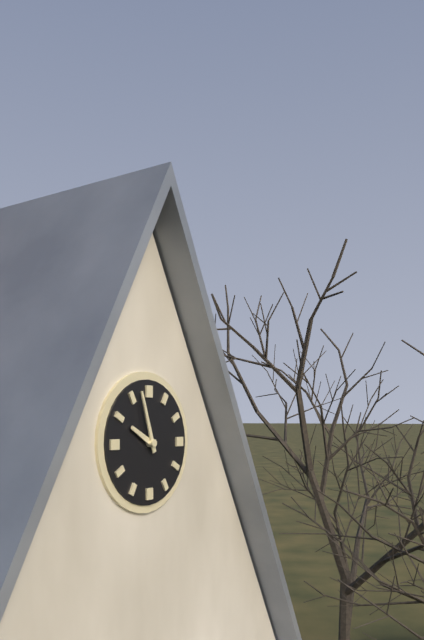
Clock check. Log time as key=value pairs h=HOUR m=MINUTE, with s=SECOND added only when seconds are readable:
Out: h=9 m=57
